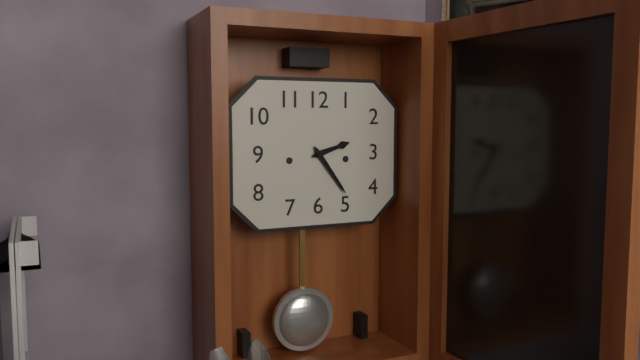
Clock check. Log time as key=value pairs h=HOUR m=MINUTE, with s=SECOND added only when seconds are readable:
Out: h=2 m=24
